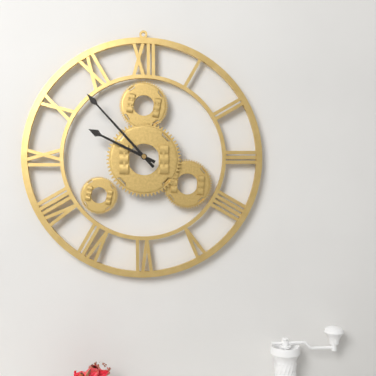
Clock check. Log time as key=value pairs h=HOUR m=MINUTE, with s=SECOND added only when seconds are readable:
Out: h=9 m=53
